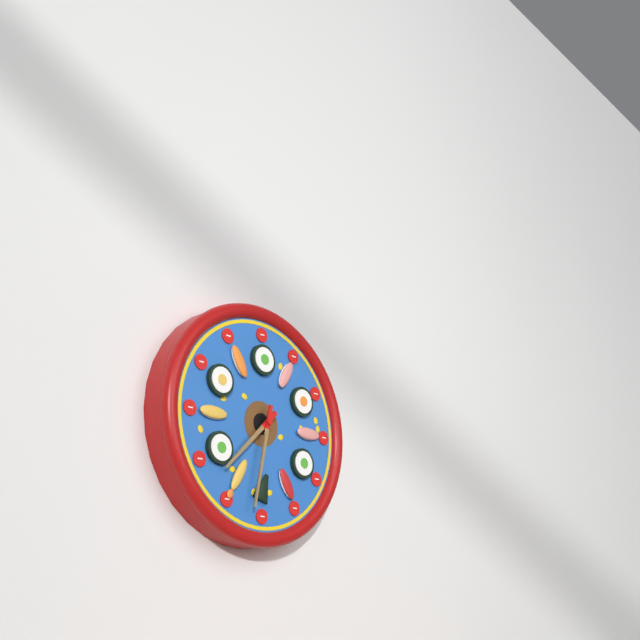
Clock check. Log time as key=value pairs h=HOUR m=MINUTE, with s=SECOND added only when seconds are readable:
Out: h=7 m=32
